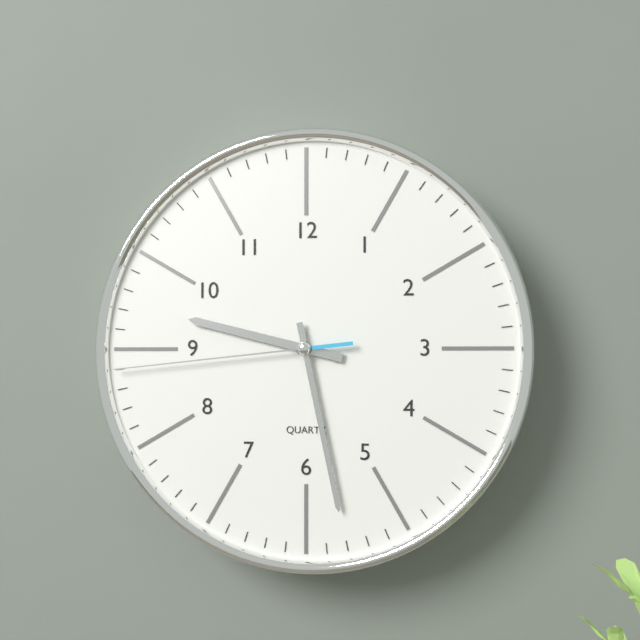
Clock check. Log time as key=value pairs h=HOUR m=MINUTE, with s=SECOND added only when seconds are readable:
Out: h=9 m=28 s=44
